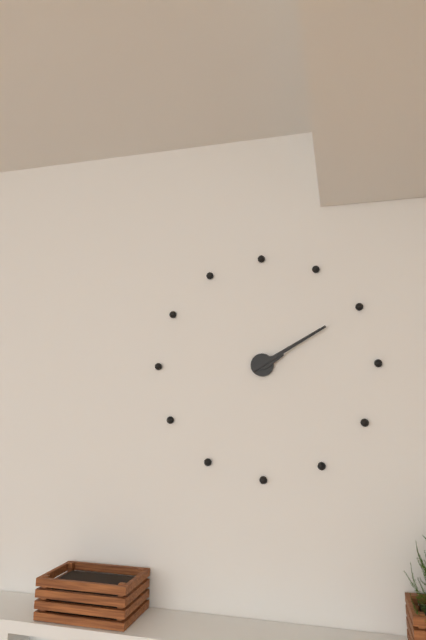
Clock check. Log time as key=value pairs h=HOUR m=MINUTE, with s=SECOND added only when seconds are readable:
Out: h=2 m=10
